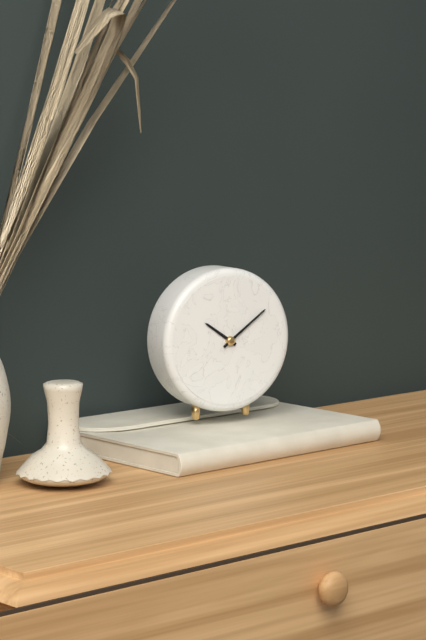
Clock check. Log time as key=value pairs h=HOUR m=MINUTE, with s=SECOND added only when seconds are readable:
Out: h=10 m=9
